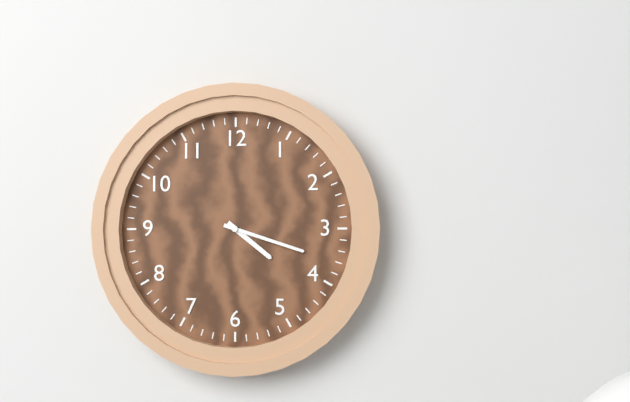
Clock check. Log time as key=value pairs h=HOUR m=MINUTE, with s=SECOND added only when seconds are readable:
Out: h=4 m=18
